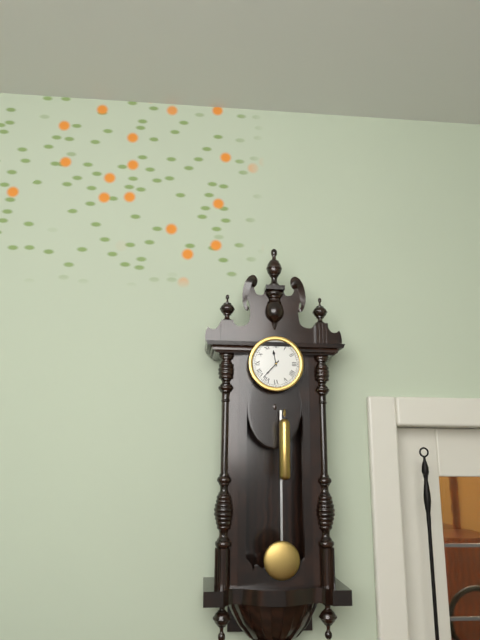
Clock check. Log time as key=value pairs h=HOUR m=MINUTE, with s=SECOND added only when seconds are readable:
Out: h=11 m=37
